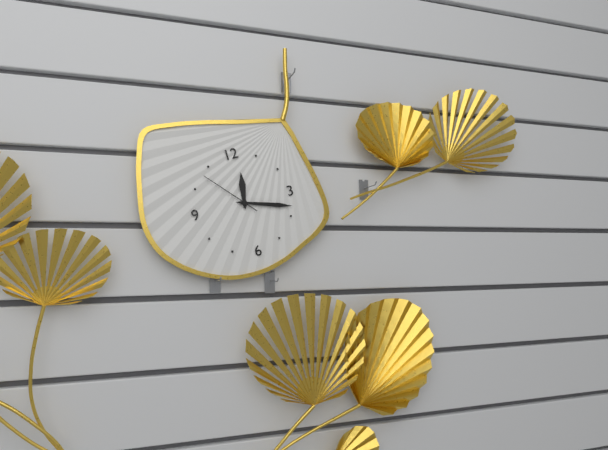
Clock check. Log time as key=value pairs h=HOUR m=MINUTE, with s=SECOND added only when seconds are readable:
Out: h=12 m=18 s=53
